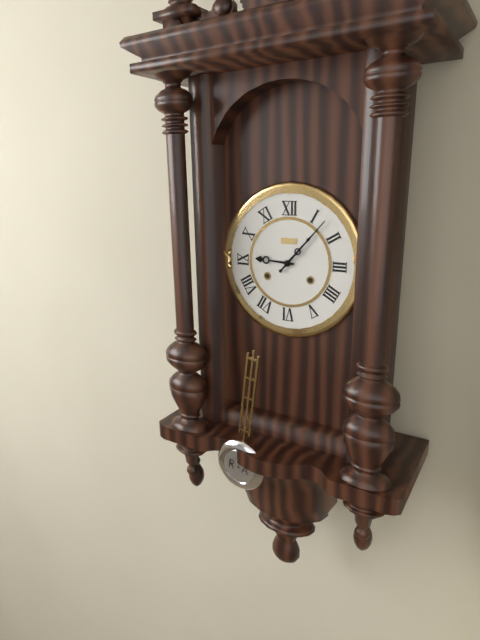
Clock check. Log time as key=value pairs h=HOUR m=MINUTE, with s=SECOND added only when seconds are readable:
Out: h=9 m=7
